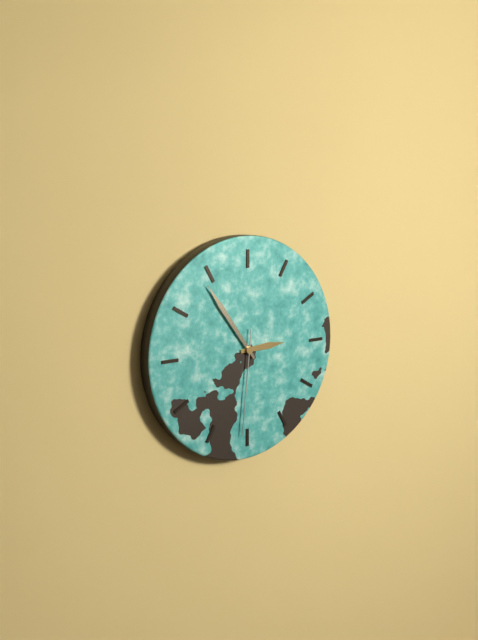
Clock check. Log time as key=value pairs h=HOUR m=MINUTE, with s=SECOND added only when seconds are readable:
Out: h=2 m=54 s=31
